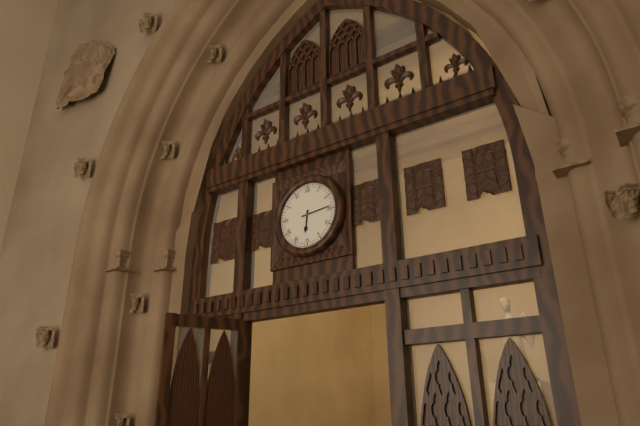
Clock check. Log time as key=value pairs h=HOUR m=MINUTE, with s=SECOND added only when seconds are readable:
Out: h=6 m=14
